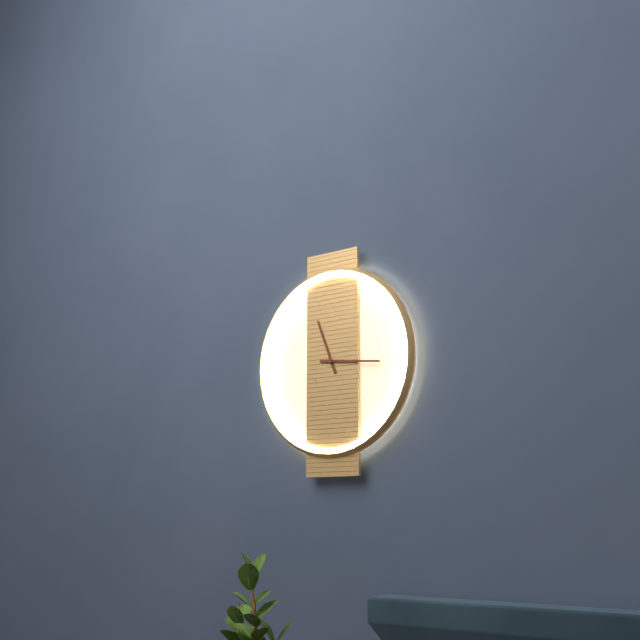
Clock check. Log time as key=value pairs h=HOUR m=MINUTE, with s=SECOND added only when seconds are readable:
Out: h=11 m=16
